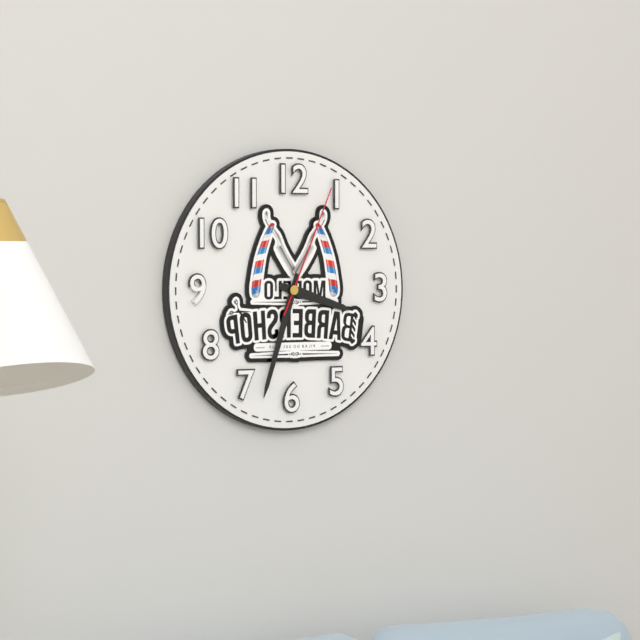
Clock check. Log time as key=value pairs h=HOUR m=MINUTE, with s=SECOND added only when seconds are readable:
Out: h=3 m=33 s=4
